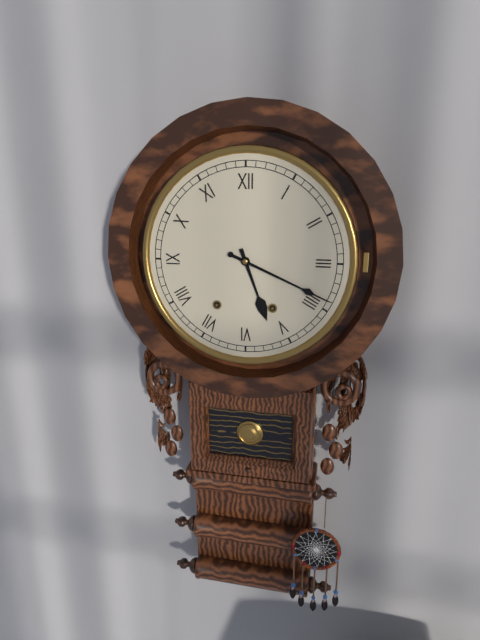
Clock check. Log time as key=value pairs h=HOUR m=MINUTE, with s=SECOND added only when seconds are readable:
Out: h=5 m=19
